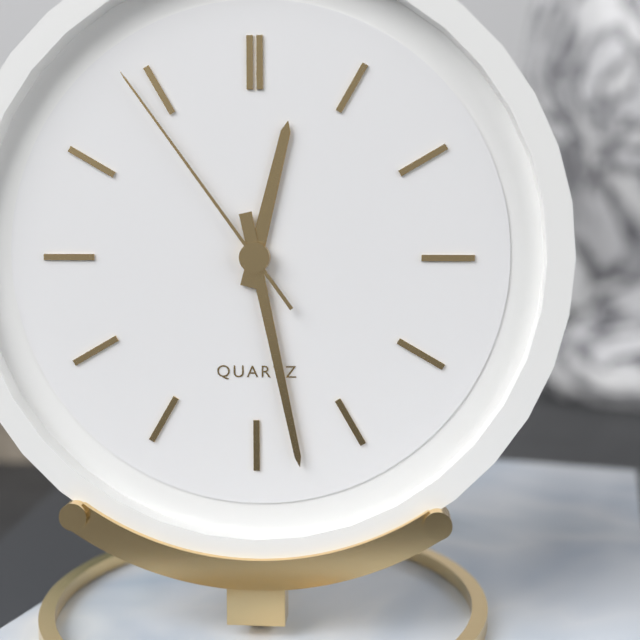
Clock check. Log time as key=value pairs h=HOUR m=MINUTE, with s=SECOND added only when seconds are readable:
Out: h=12 m=28 s=54
